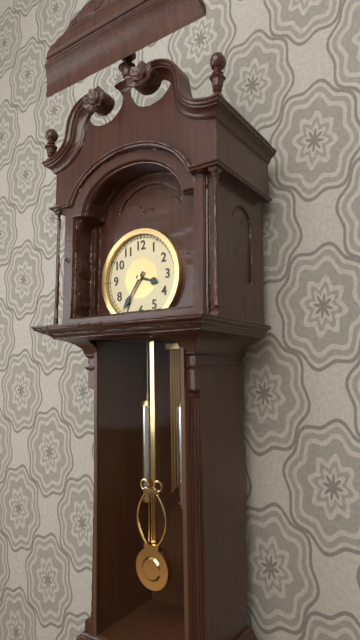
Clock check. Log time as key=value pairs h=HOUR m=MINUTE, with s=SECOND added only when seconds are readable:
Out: h=3 m=36
